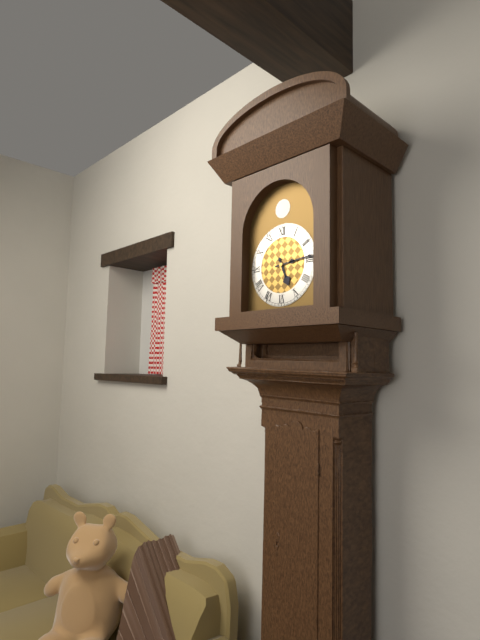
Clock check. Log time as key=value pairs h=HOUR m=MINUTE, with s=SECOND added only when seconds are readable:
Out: h=5 m=14
